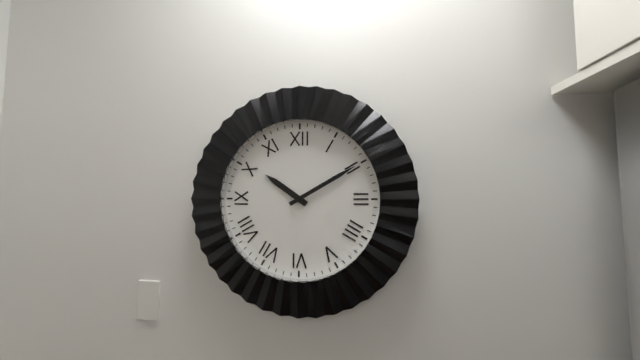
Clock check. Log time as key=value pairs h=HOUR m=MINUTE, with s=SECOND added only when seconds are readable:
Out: h=10 m=10
